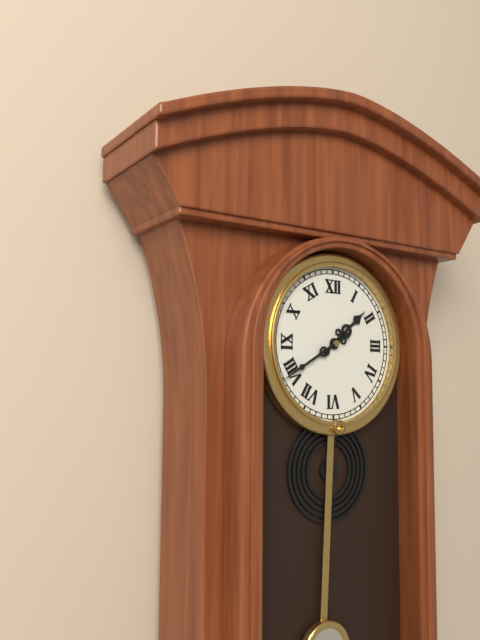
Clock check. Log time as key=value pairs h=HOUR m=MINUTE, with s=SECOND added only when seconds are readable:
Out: h=1 m=40
